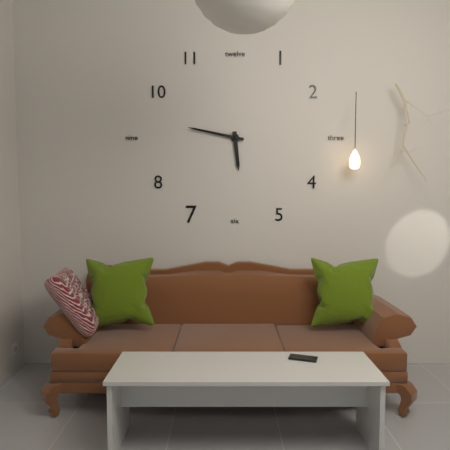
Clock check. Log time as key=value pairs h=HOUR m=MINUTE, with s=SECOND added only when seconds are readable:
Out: h=5 m=47
